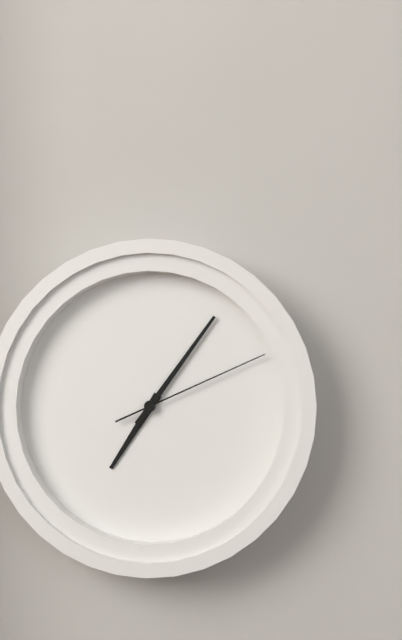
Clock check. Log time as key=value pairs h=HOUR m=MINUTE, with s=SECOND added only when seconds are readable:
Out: h=7 m=6 s=11
